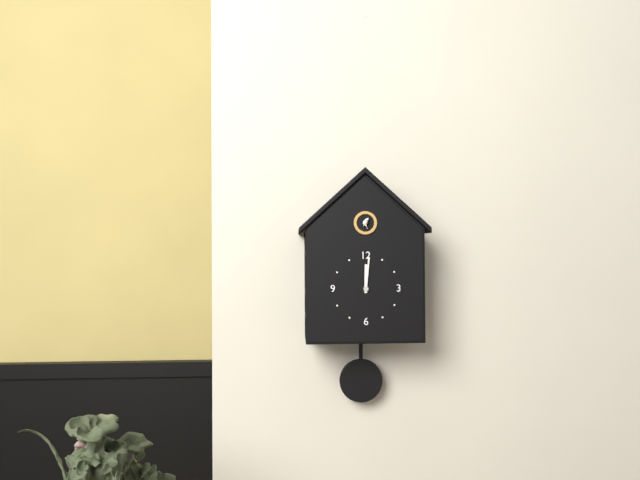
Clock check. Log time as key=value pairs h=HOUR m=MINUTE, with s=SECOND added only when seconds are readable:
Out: h=12 m=1
